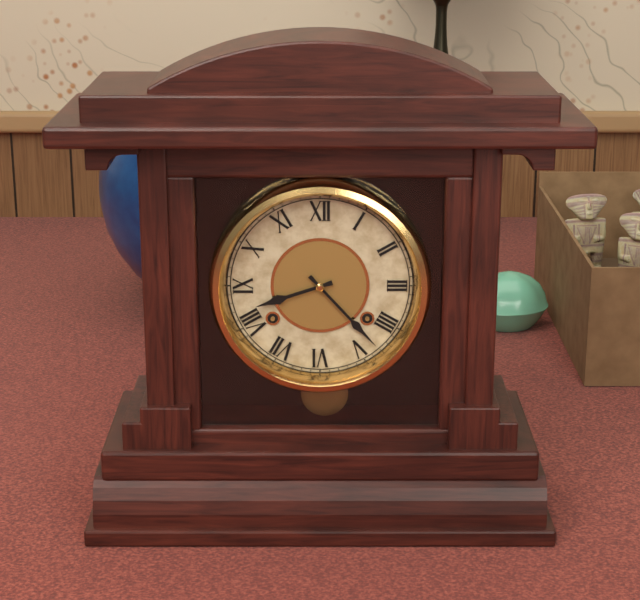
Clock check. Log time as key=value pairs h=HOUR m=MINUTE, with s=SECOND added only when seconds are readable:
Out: h=8 m=23
